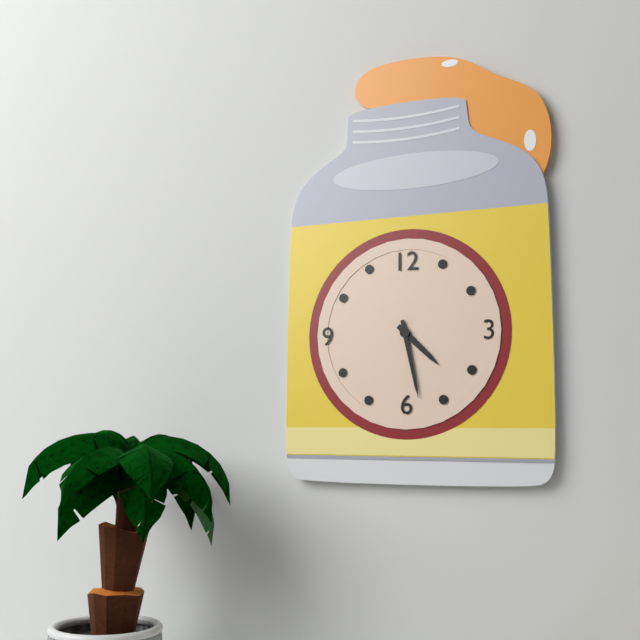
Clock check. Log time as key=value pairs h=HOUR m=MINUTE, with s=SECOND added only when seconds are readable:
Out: h=4 m=28
